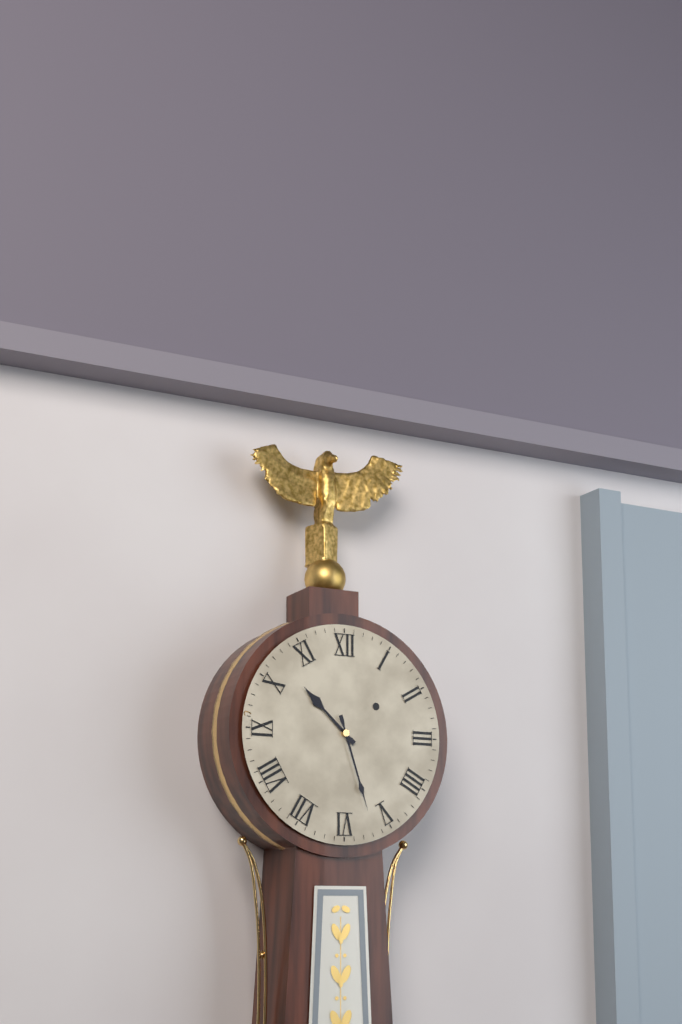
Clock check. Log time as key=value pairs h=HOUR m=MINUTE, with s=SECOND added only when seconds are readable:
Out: h=10 m=27
